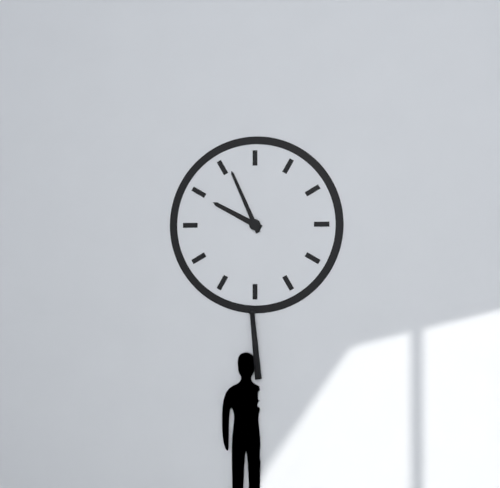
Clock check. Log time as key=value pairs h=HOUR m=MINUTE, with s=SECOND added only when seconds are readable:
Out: h=9 m=56
